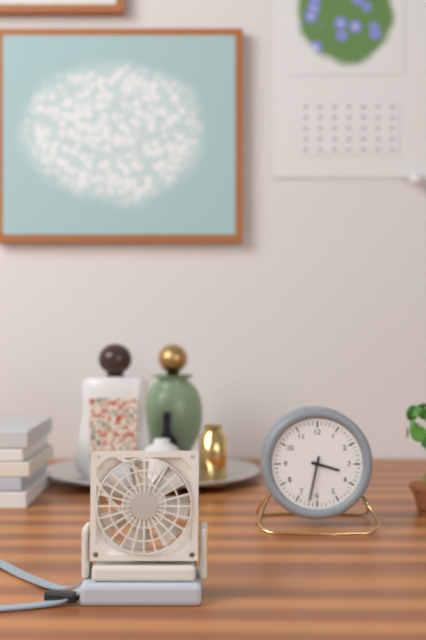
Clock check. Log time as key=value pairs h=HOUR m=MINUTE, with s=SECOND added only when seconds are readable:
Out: h=3 m=32
